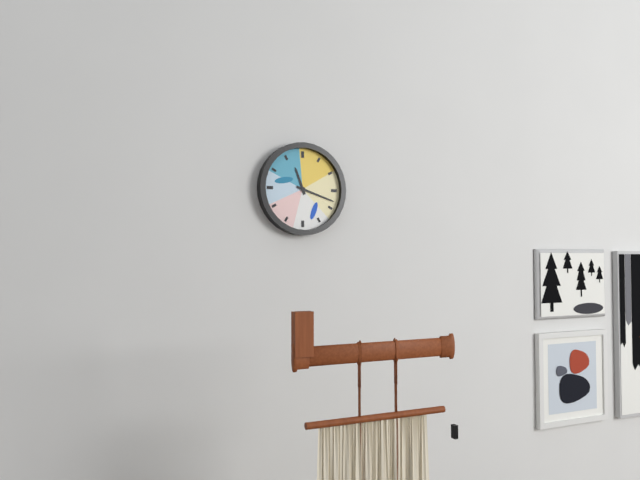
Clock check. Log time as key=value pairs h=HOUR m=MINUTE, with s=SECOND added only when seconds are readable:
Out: h=11 m=18
